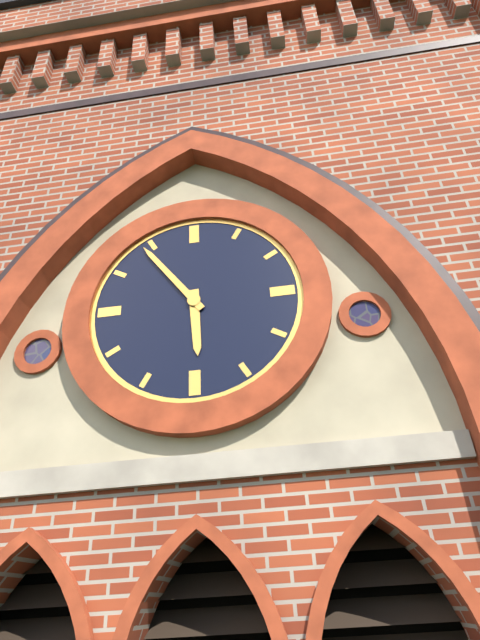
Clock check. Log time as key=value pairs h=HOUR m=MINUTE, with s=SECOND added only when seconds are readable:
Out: h=5 m=54
